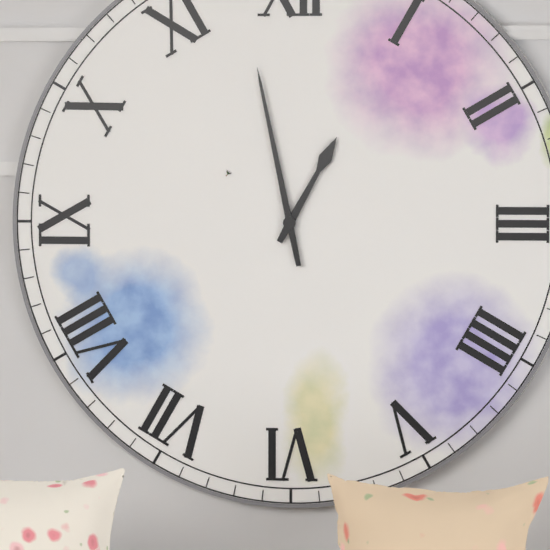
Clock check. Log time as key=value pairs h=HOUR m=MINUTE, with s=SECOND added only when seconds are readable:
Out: h=12 m=58
